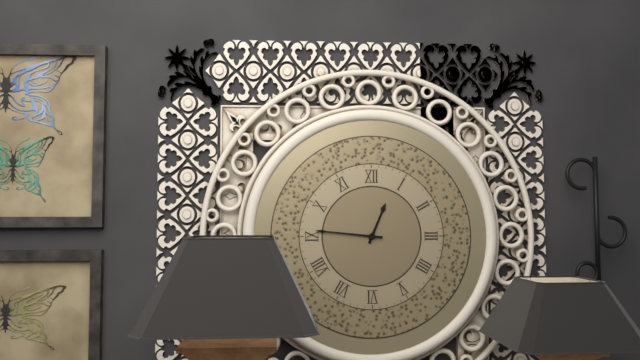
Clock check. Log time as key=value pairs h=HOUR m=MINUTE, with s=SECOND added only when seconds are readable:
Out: h=12 m=46
